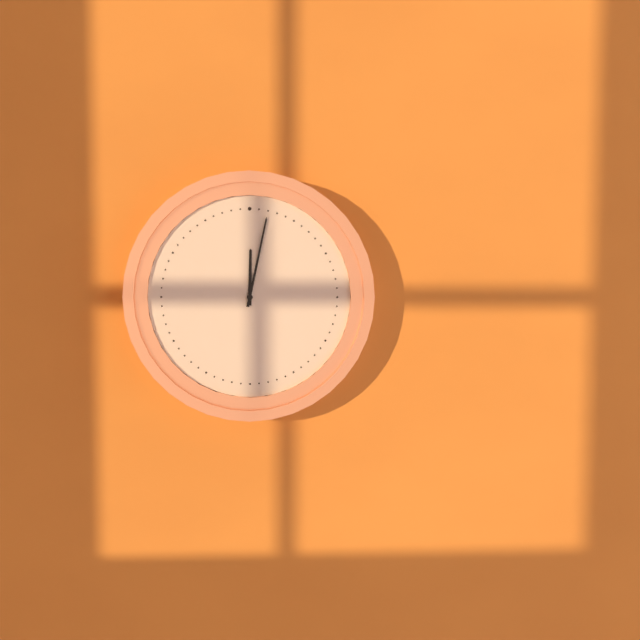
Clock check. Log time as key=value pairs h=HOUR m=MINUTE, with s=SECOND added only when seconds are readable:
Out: h=12 m=2
